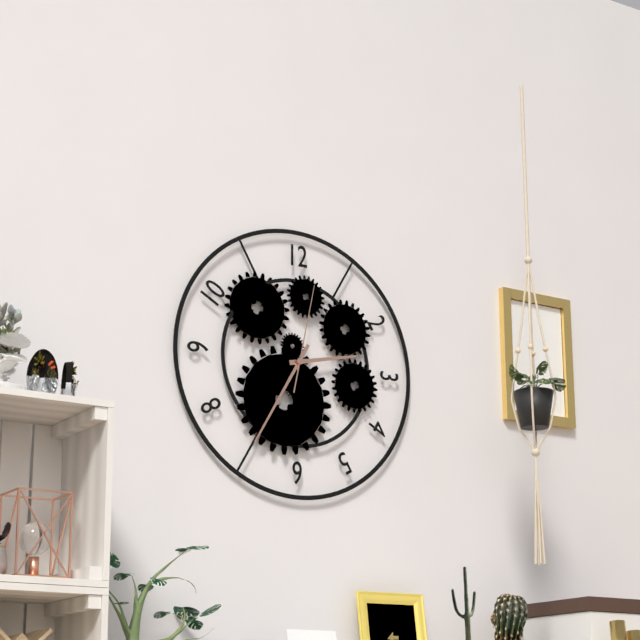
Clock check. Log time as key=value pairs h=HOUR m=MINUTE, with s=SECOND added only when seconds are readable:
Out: h=2 m=35 s=2
